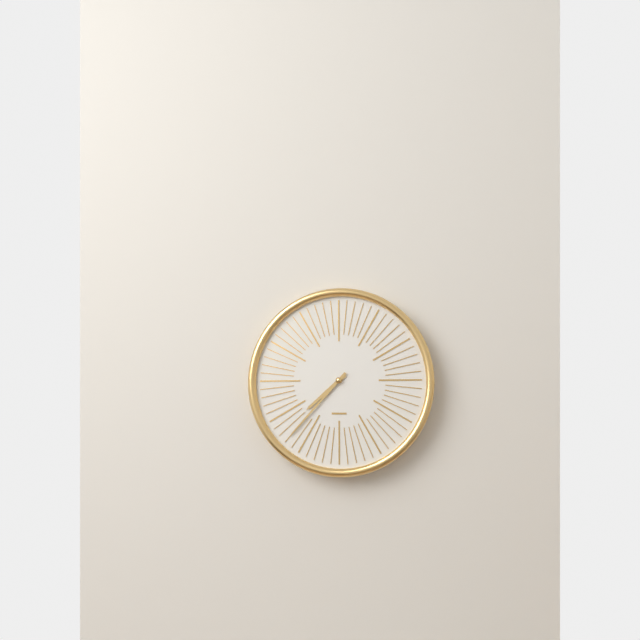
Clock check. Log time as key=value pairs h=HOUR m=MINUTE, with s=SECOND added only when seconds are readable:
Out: h=7 m=37
